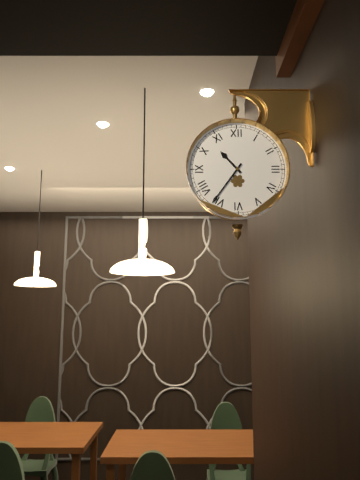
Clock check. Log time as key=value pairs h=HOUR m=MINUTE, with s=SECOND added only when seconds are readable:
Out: h=10 m=36
